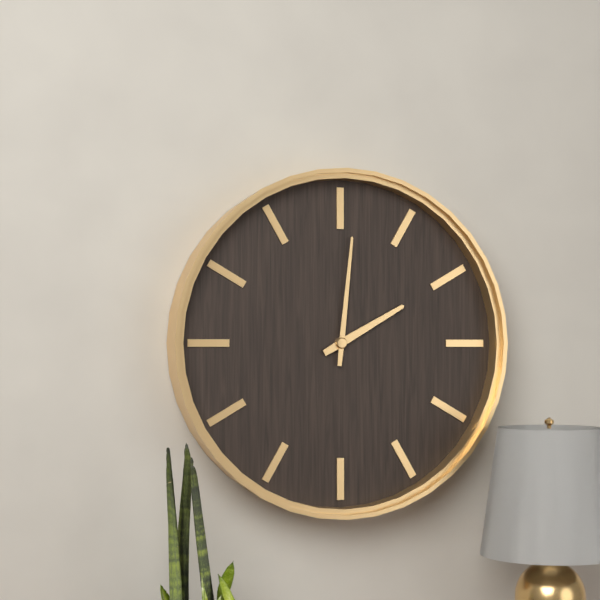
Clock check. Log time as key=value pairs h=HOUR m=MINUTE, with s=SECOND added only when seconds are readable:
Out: h=2 m=1
